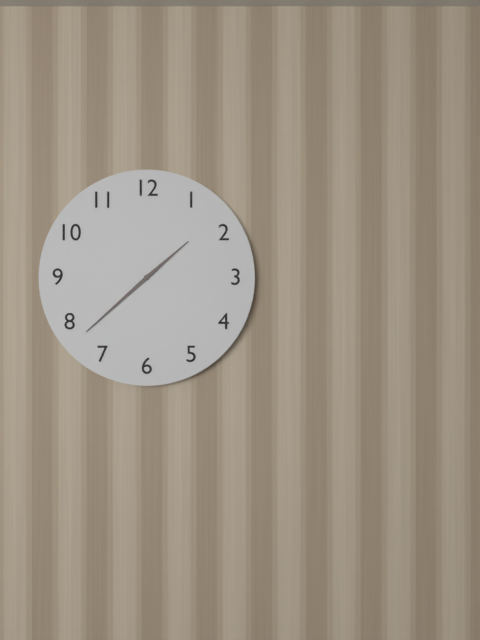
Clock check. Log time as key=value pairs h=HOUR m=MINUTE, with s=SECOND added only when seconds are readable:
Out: h=1 m=38
